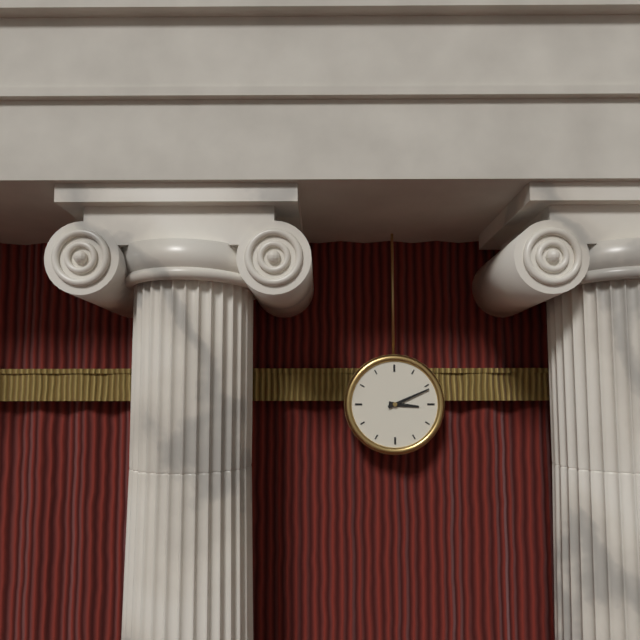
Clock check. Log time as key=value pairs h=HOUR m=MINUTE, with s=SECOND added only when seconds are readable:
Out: h=3 m=11
